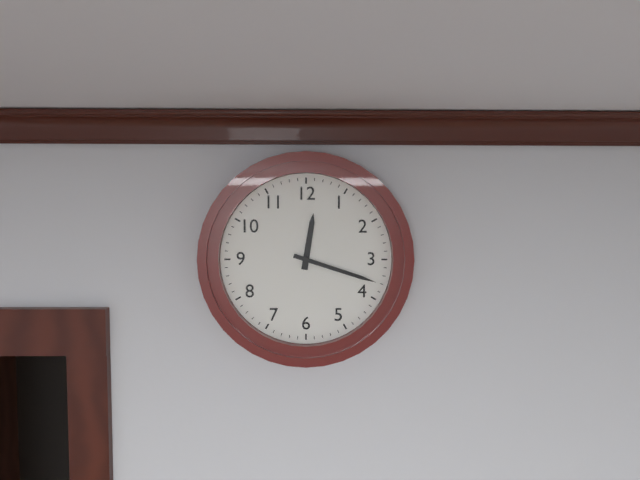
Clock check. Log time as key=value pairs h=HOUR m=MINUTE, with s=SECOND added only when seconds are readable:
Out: h=12 m=18
